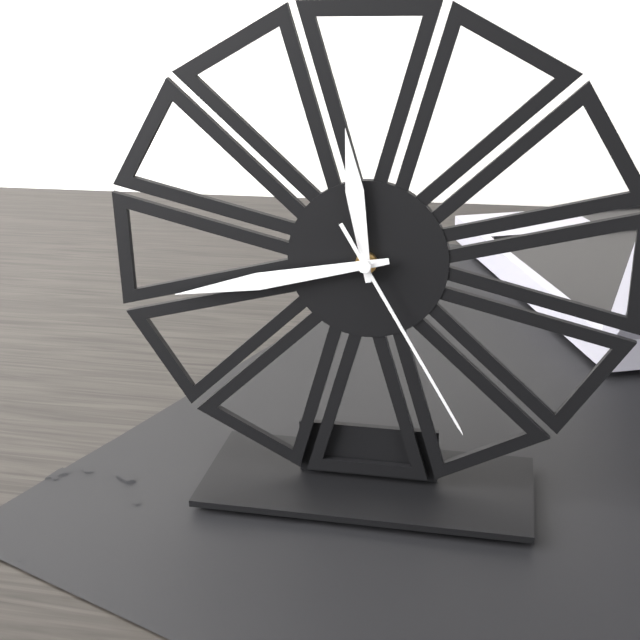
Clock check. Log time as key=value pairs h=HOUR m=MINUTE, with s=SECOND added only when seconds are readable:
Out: h=11 m=43 s=25
